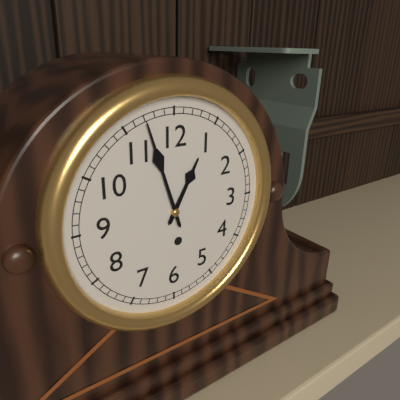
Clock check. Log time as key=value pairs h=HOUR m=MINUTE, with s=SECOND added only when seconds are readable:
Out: h=12 m=57
